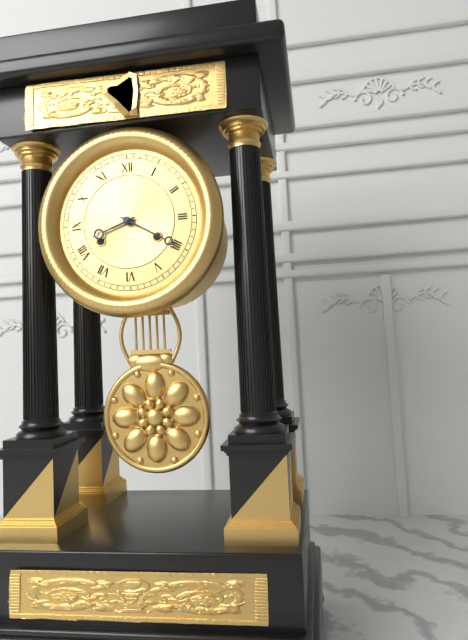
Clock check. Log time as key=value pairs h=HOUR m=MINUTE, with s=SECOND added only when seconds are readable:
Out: h=8 m=20
